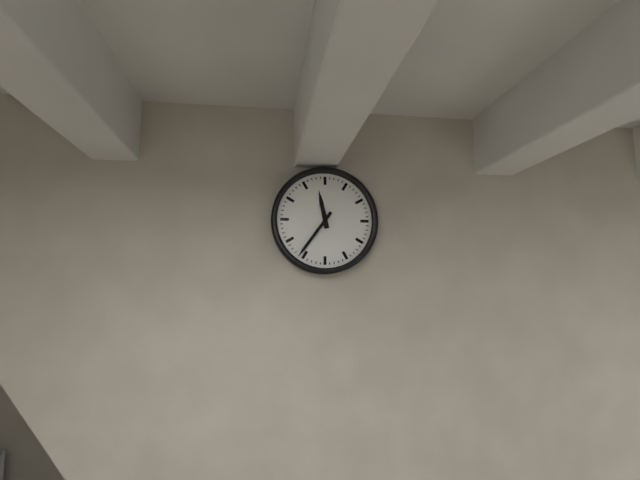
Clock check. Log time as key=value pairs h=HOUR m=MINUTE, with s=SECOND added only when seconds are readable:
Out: h=11 m=36
